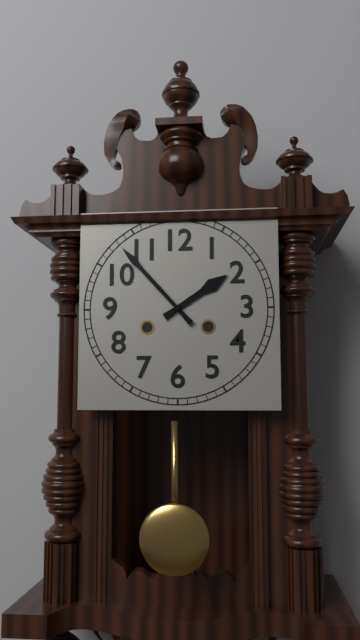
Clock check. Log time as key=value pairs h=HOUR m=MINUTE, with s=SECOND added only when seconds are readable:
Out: h=1 m=53
